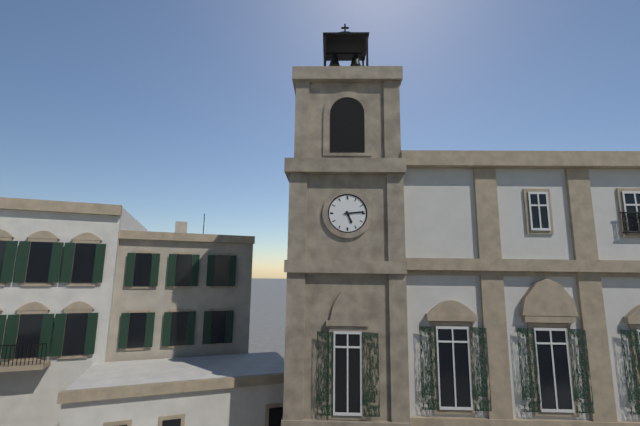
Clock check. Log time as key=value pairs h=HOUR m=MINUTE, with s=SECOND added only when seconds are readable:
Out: h=5 m=14
